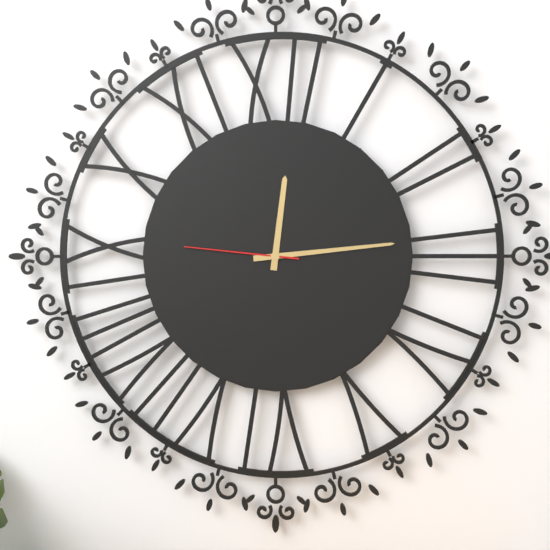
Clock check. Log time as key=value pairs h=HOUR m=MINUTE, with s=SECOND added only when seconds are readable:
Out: h=12 m=14 s=46
